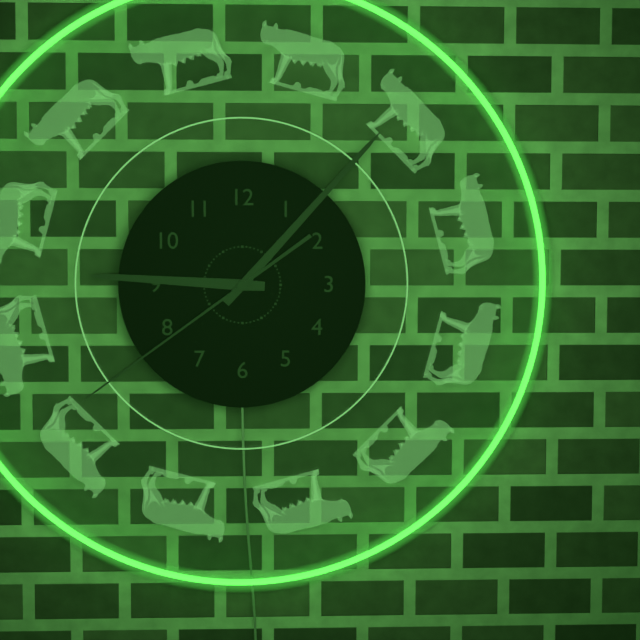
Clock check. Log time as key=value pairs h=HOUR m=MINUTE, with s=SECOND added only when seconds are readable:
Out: h=9 m=7 s=39
